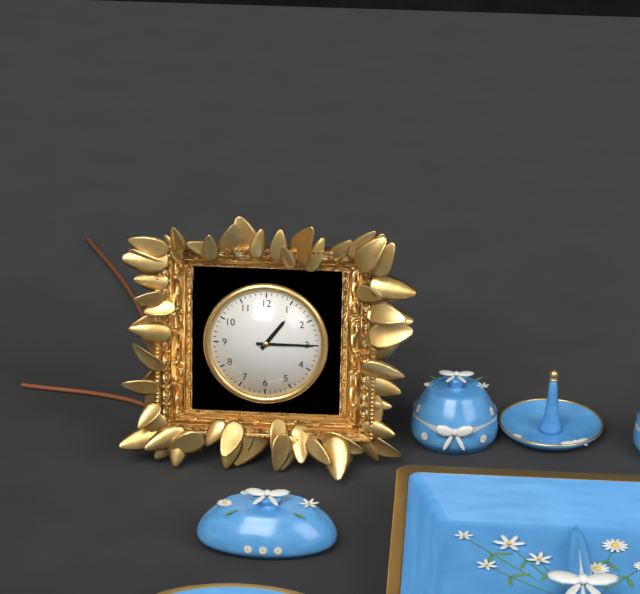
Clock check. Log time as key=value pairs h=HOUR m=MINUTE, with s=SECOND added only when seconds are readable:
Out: h=1 m=15
